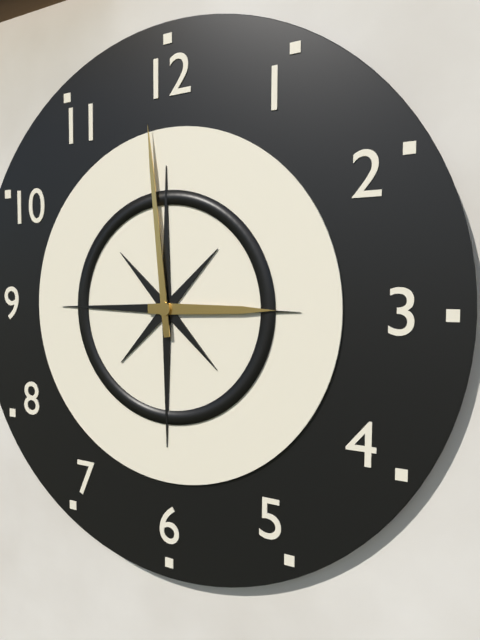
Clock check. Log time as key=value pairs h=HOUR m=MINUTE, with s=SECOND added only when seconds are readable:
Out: h=2 m=59
